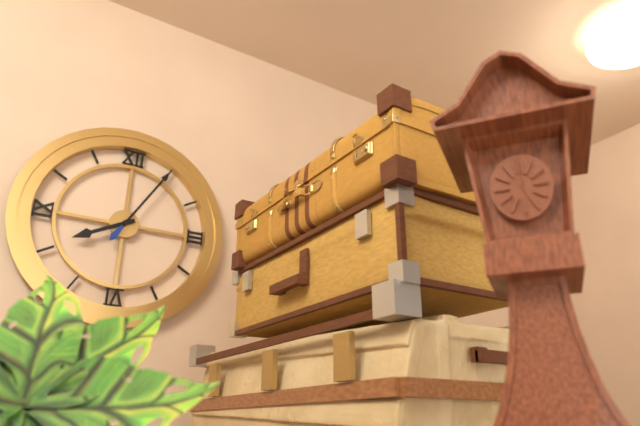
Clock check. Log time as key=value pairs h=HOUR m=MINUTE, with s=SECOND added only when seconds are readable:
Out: h=8 m=5
